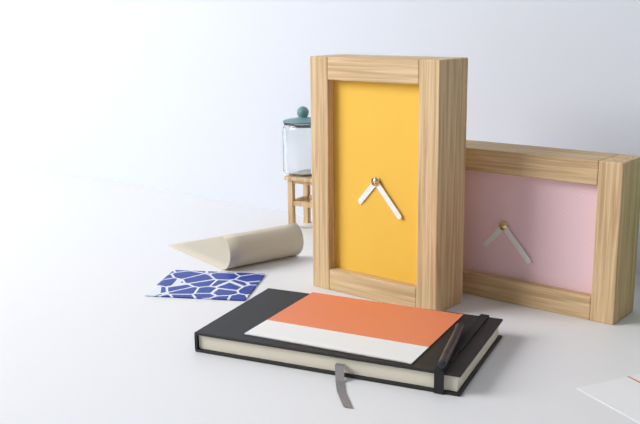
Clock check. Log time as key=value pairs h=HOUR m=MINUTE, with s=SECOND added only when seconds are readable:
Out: h=7 m=23
